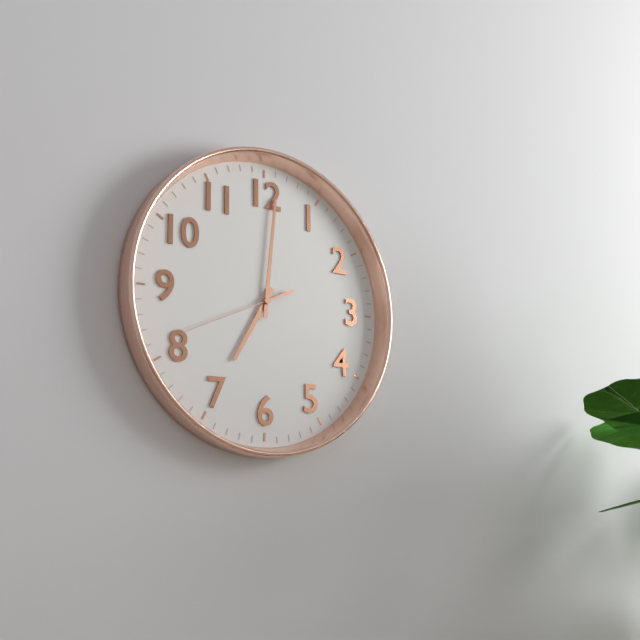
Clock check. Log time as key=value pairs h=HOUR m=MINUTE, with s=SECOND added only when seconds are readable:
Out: h=7 m=1 s=41
